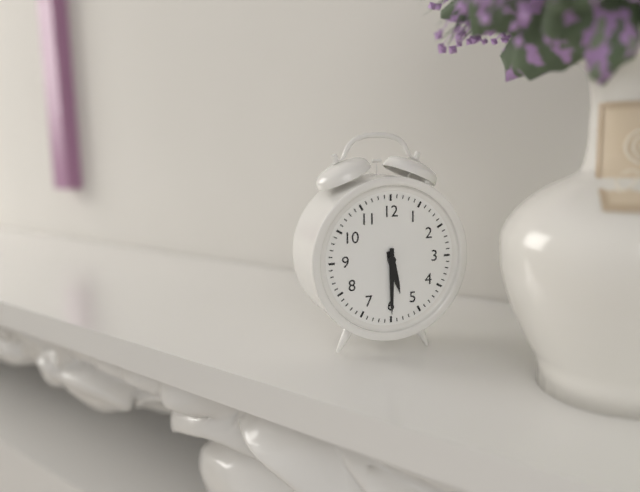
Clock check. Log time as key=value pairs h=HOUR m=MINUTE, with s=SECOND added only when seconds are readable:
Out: h=5 m=30
